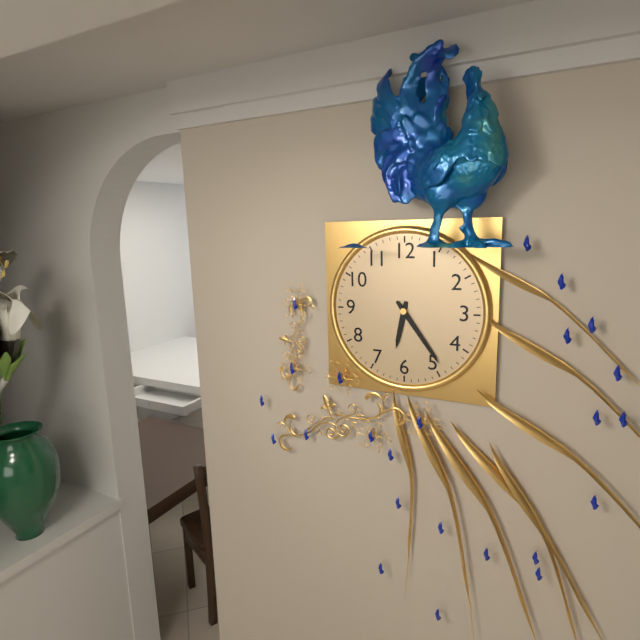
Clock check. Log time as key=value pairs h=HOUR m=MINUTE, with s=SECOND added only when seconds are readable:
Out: h=6 m=24
